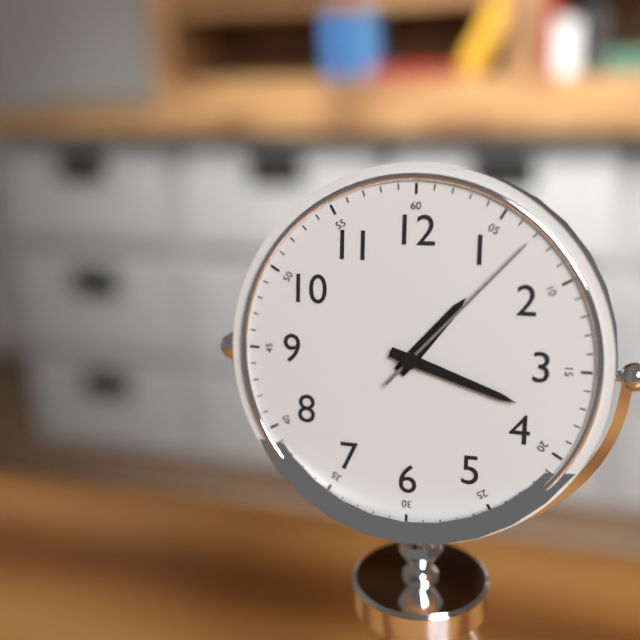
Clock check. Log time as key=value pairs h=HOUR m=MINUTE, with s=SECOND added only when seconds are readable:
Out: h=1 m=18 s=7
